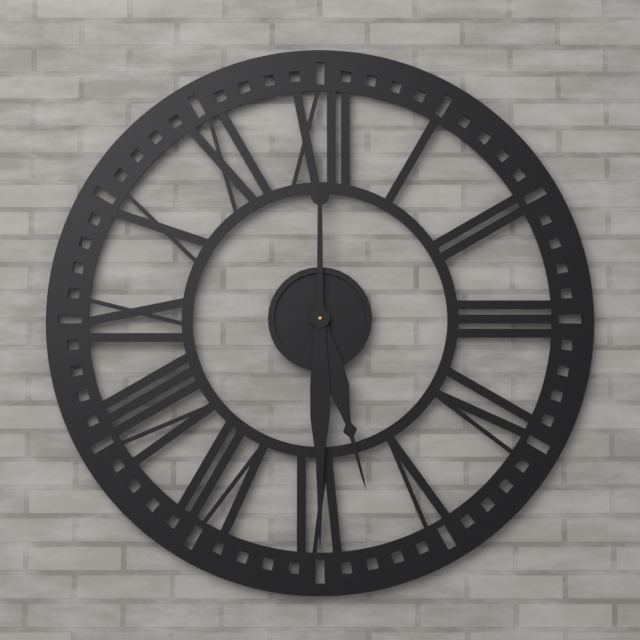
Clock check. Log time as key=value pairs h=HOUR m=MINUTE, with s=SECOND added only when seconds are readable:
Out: h=5 m=30
